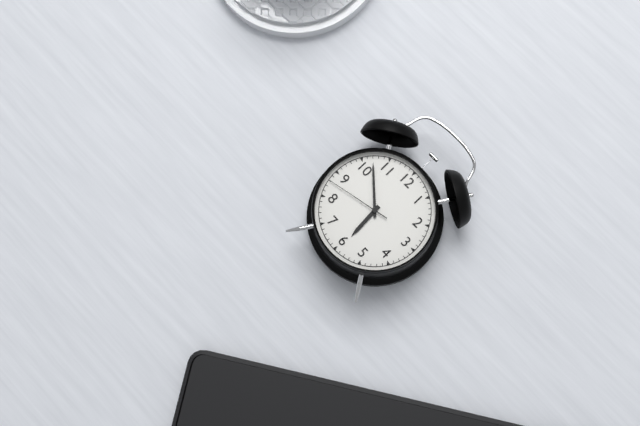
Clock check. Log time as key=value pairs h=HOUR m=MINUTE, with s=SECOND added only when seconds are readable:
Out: h=5 m=52 s=43
